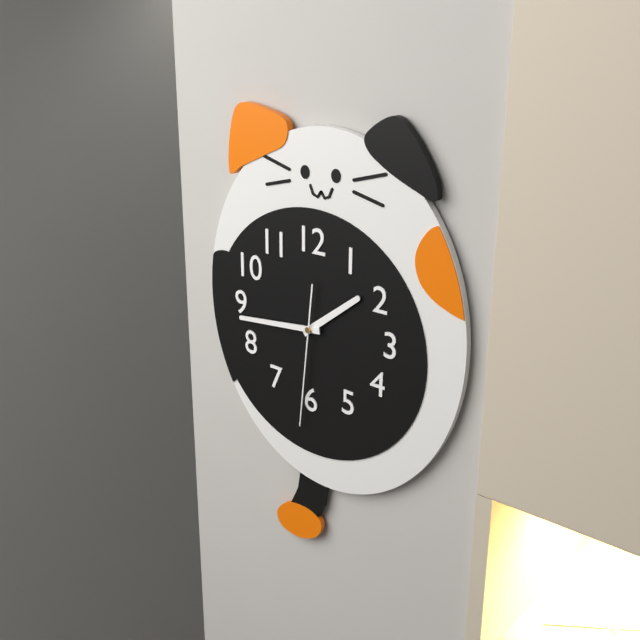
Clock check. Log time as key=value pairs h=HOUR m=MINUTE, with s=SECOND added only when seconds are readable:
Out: h=1 m=44 s=31
